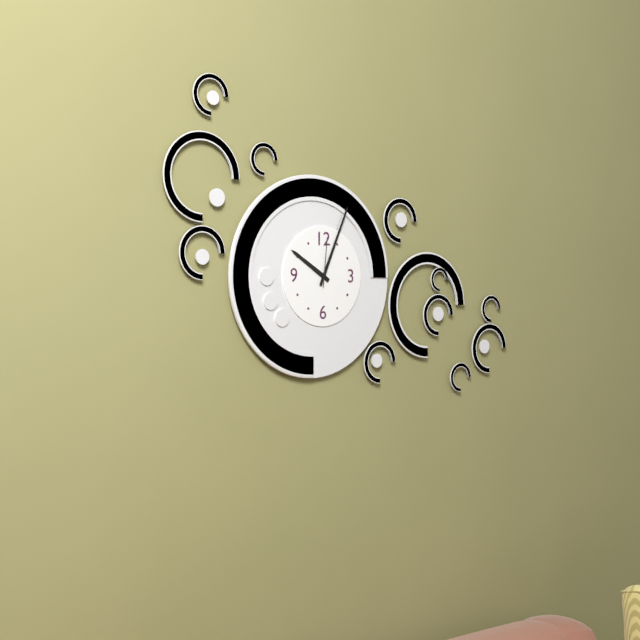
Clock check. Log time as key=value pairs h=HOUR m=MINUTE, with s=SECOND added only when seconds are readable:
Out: h=10 m=4 s=1
